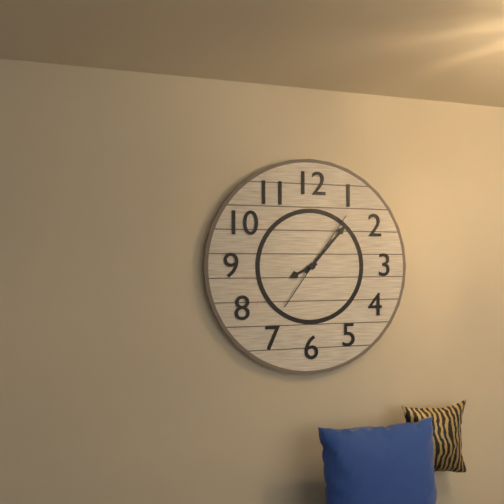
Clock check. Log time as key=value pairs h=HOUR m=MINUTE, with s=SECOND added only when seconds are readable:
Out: h=8 m=7 s=6
